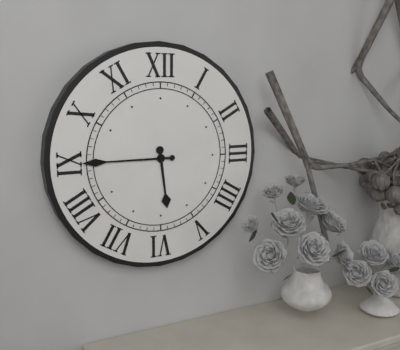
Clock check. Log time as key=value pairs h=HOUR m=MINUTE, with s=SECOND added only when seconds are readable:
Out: h=5 m=45
